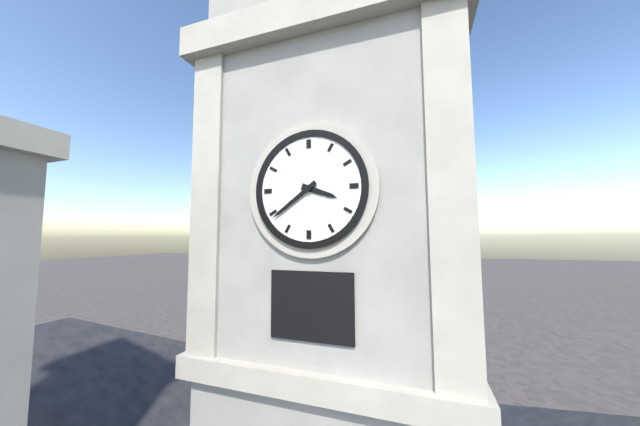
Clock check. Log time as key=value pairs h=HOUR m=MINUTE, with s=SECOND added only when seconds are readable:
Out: h=3 m=39
